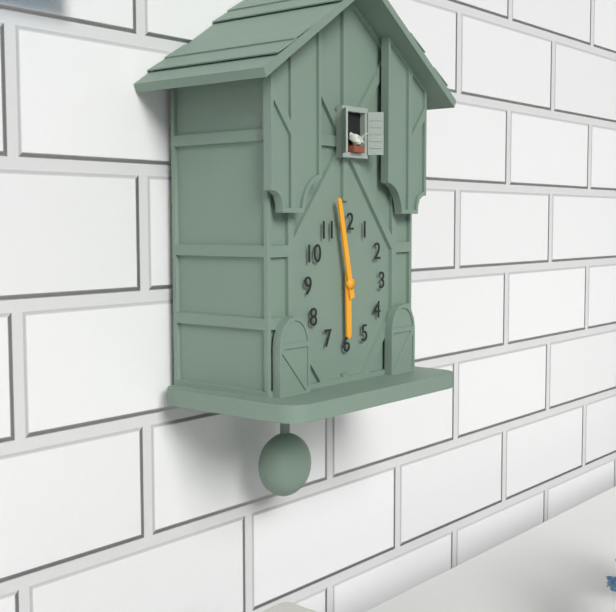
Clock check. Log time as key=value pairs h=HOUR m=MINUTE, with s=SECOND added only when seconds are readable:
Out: h=5 m=58
